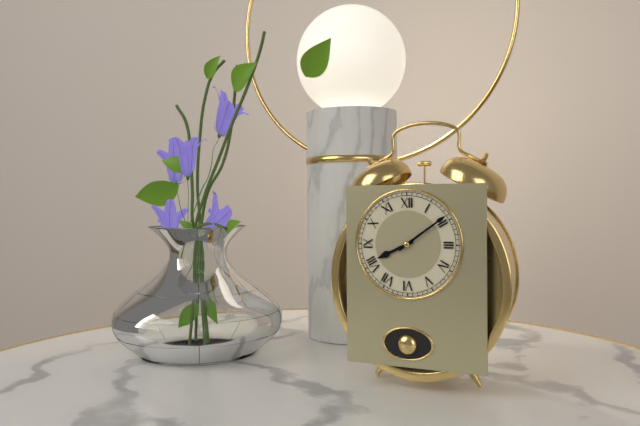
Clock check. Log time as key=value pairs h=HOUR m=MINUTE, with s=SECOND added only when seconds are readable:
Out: h=8 m=9
